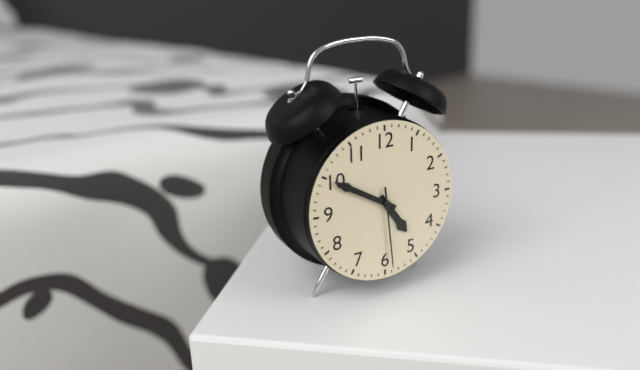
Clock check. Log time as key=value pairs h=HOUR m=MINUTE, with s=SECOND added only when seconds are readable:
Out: h=4 m=50 s=29
